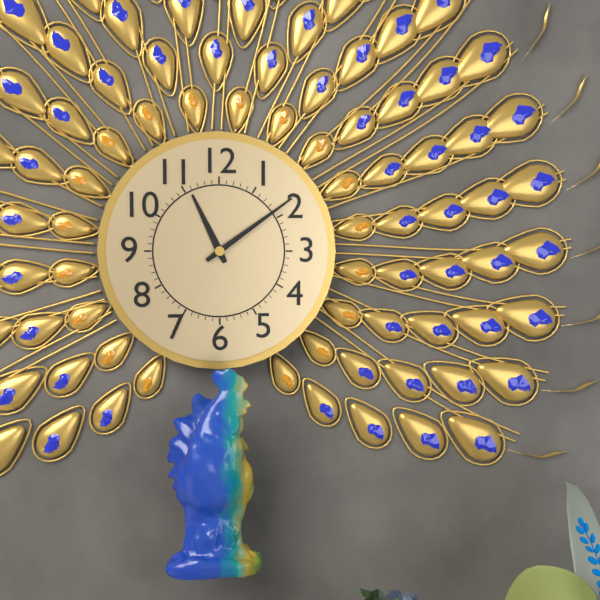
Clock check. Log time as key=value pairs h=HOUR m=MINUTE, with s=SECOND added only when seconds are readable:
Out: h=11 m=9
